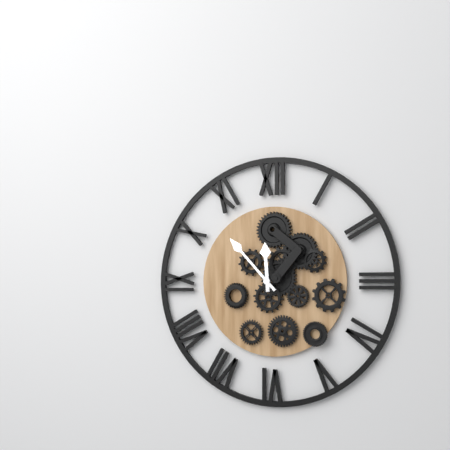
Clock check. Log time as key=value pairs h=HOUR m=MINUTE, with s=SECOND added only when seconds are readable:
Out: h=11 m=53
